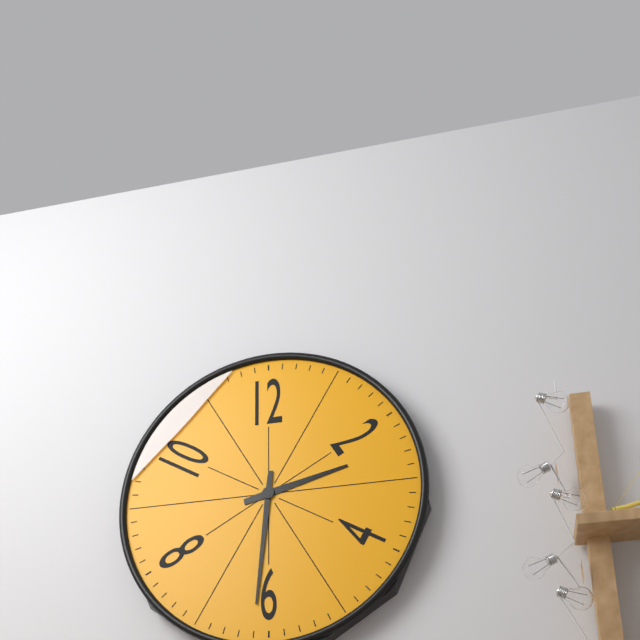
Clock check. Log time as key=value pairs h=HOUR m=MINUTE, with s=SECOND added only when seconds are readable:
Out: h=2 m=31
